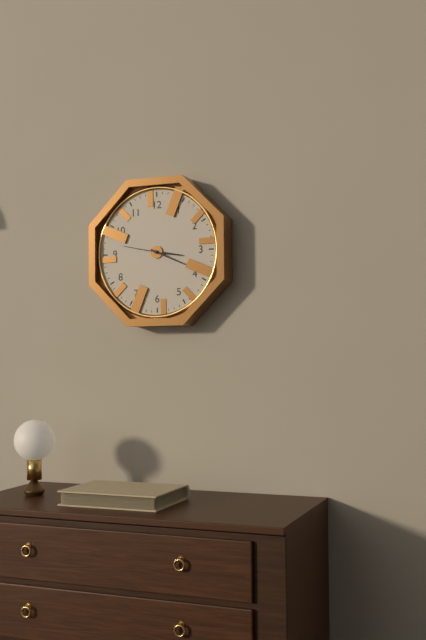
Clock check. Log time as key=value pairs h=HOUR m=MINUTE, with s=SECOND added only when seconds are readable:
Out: h=3 m=19
